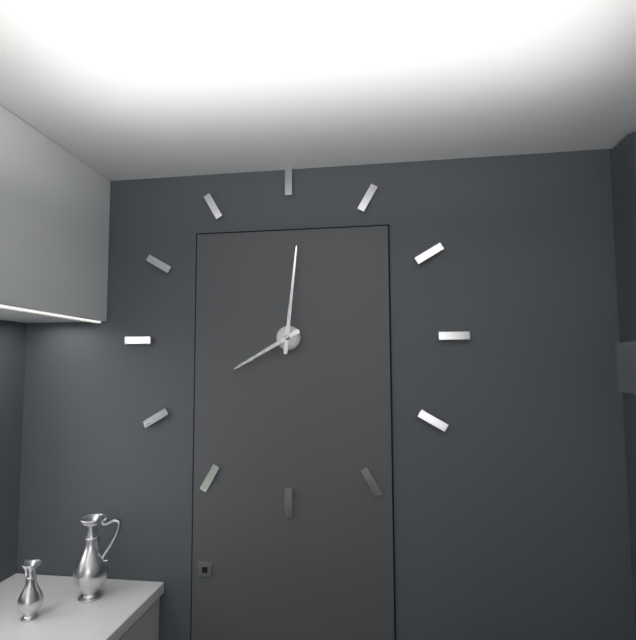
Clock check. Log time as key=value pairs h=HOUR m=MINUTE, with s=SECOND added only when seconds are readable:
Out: h=8 m=1
